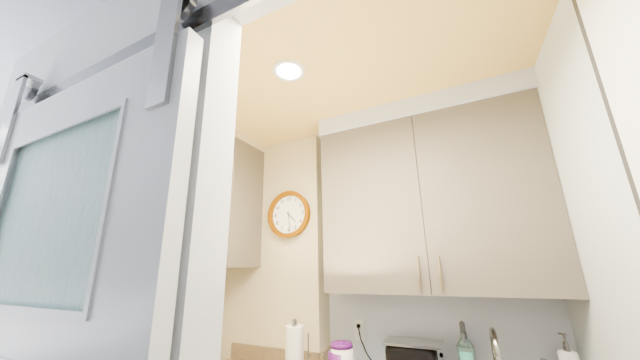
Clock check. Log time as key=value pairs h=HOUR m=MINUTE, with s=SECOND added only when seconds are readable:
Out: h=4 m=29
